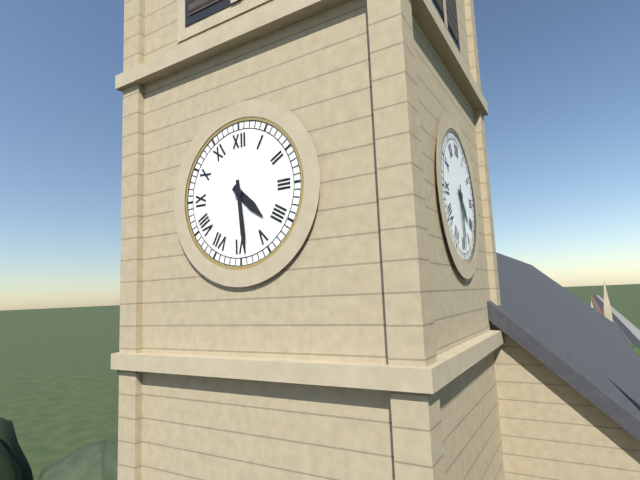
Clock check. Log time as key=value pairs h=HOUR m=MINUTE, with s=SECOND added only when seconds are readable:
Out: h=4 m=29
